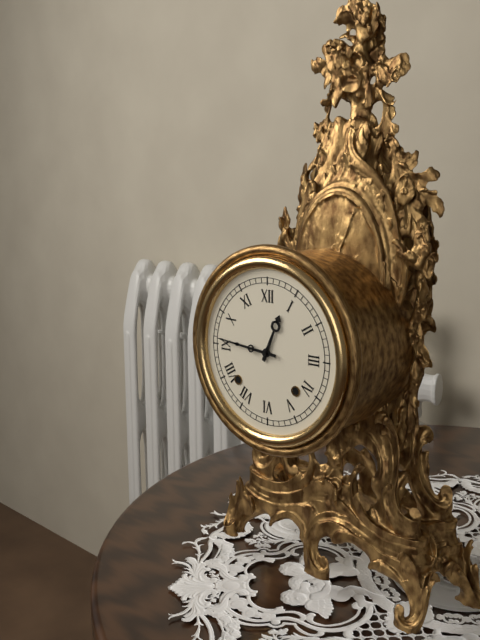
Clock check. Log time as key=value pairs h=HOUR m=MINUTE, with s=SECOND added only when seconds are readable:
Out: h=12 m=46
